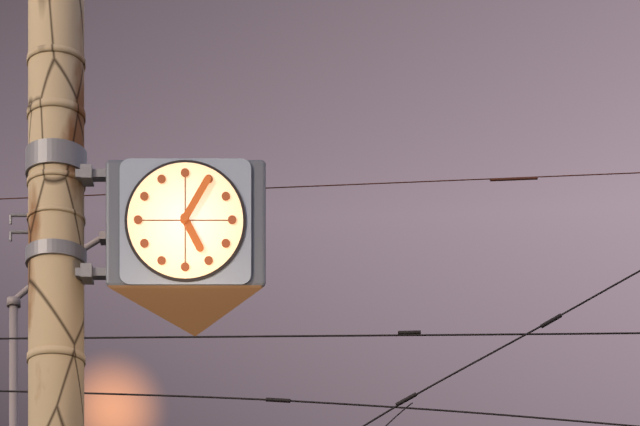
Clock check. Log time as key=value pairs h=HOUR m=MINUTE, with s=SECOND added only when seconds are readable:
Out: h=5 m=5
